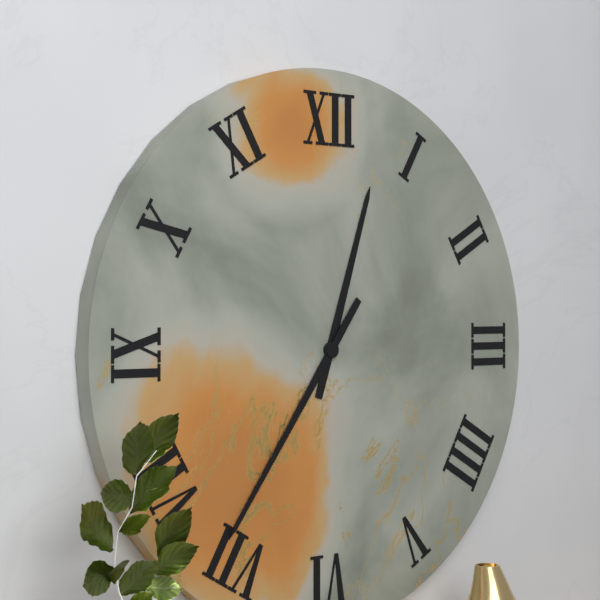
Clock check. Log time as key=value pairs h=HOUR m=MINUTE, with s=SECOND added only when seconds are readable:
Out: h=12 m=36
